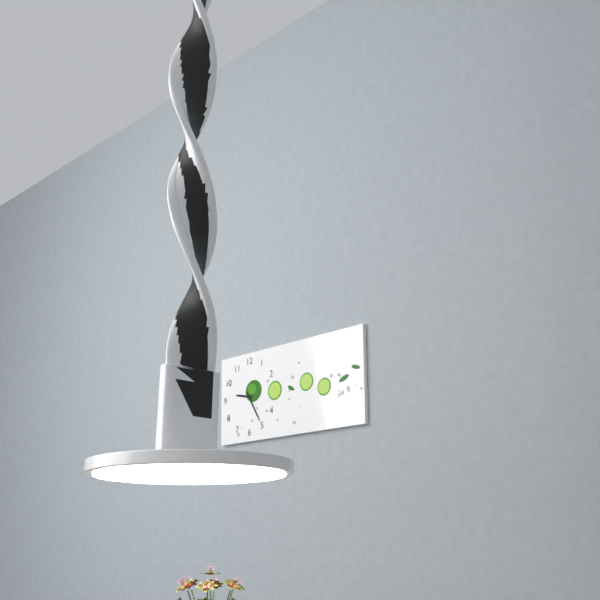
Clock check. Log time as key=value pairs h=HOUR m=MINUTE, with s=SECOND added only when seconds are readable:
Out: h=9 m=25
